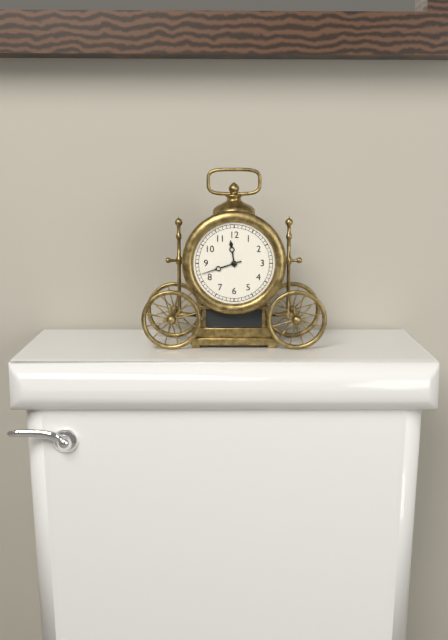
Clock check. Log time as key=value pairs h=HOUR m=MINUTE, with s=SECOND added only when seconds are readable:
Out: h=11 m=42
